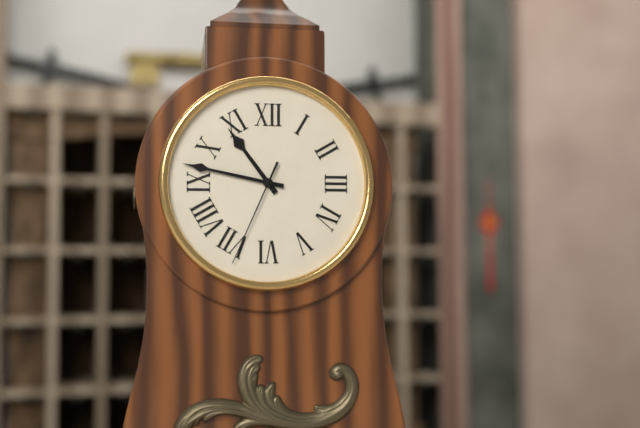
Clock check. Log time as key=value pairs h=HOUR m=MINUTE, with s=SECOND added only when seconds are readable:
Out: h=10 m=47 s=34
